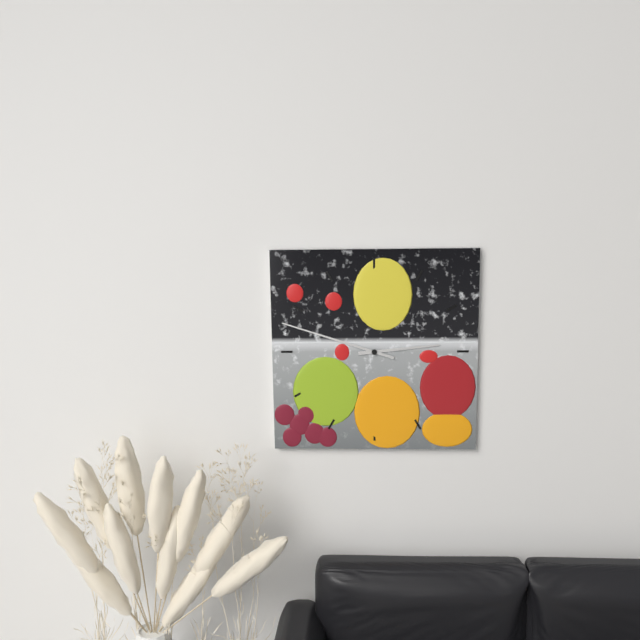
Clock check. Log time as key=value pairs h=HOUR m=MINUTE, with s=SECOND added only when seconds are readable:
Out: h=2 m=48
